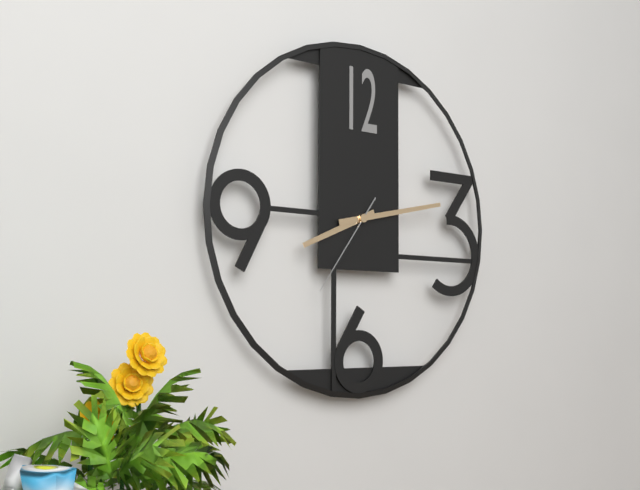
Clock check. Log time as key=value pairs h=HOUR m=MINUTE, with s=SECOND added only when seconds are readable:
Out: h=8 m=13 s=36
